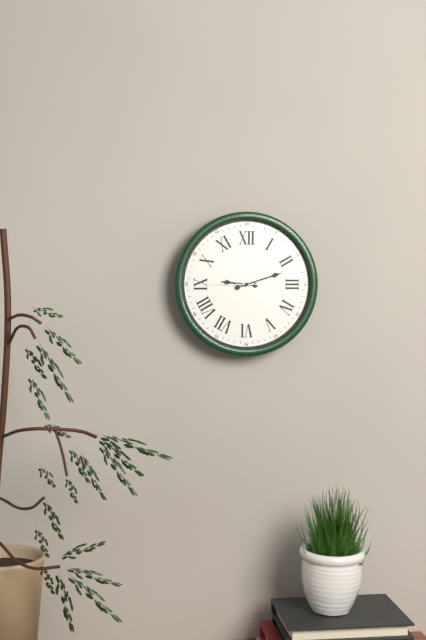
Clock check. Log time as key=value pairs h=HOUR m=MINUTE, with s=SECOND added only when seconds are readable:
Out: h=9 m=12 s=45
